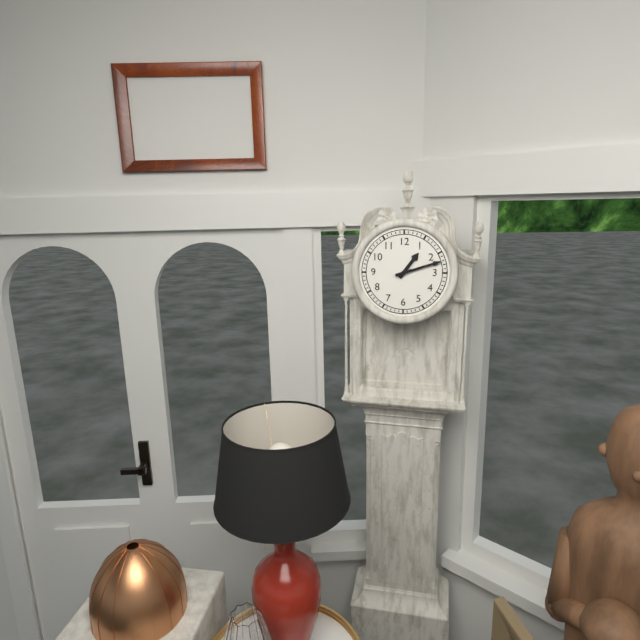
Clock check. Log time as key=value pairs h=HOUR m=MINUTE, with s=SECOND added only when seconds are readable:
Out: h=1 m=12
